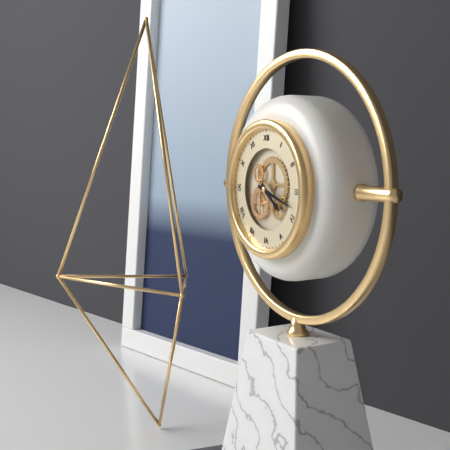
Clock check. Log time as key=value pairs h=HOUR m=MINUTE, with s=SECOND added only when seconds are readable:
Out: h=4 m=18
